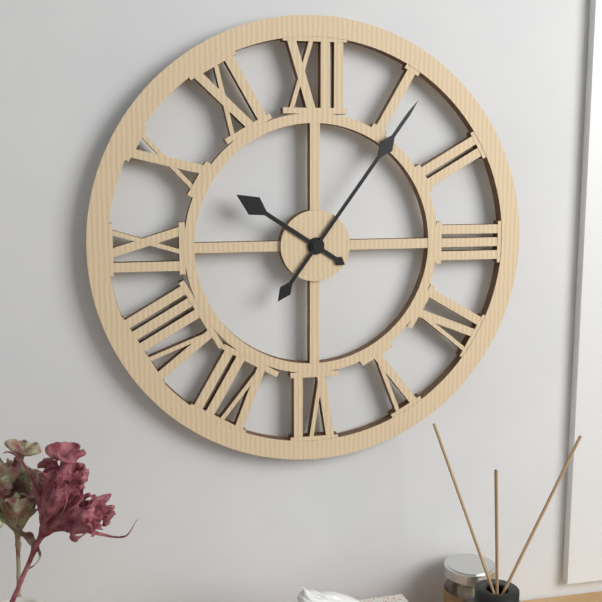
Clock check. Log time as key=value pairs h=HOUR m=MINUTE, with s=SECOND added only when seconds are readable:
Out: h=10 m=6
